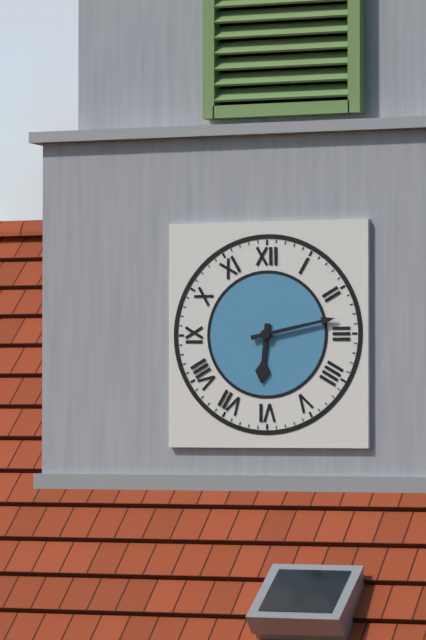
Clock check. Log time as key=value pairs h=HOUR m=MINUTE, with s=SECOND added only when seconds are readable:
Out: h=6 m=13
